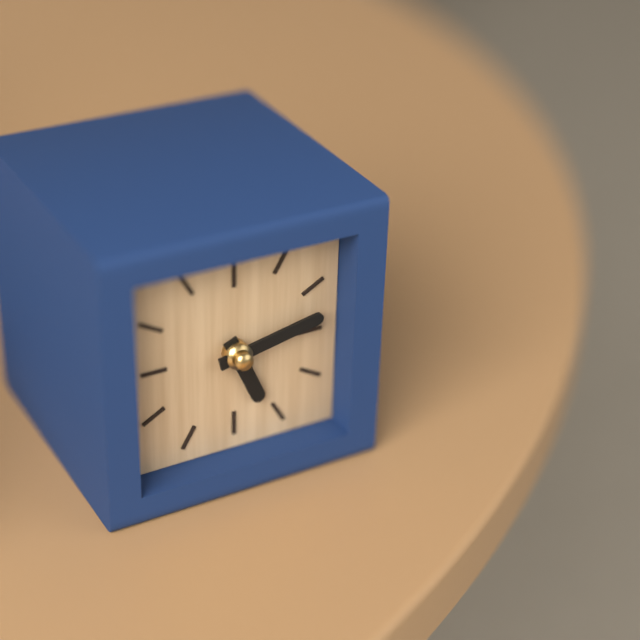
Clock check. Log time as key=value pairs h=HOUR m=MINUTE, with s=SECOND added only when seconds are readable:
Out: h=5 m=13
